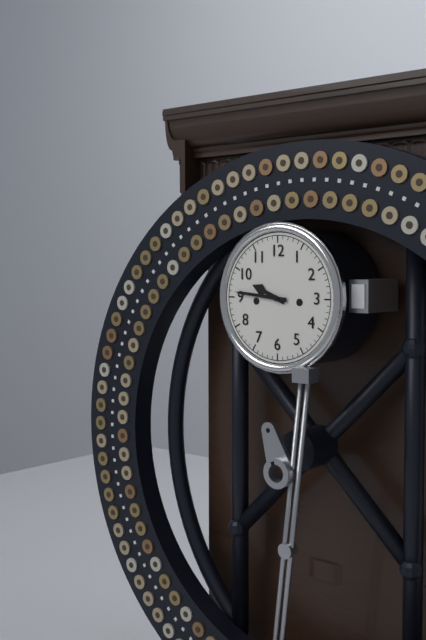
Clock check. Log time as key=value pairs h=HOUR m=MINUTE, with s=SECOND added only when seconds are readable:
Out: h=9 m=46
